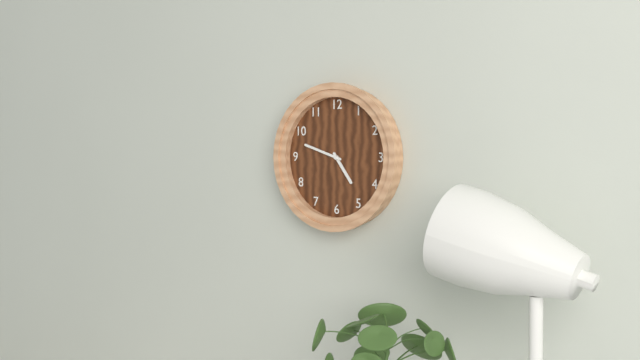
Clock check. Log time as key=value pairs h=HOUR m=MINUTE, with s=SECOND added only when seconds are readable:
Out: h=4 m=48
